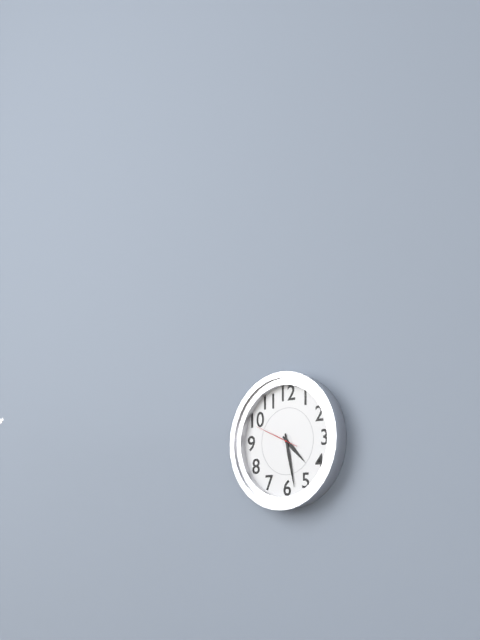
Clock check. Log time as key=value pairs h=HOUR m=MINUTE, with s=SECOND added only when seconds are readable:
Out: h=4 m=28
